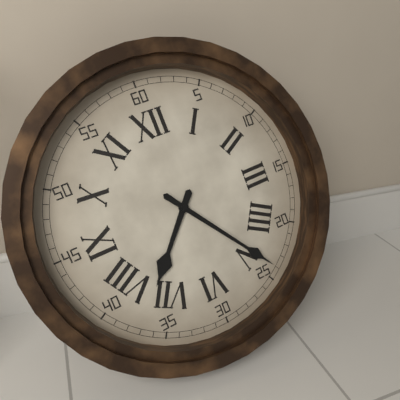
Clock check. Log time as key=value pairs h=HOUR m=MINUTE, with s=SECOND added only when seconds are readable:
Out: h=7 m=24
